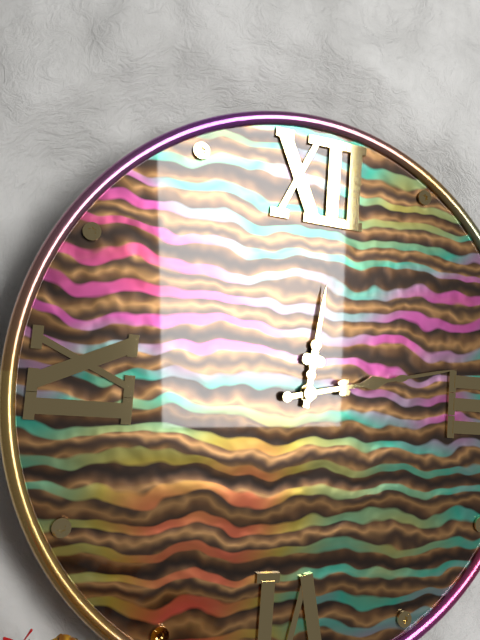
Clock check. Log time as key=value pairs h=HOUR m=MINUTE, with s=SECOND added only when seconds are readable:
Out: h=12 m=13
